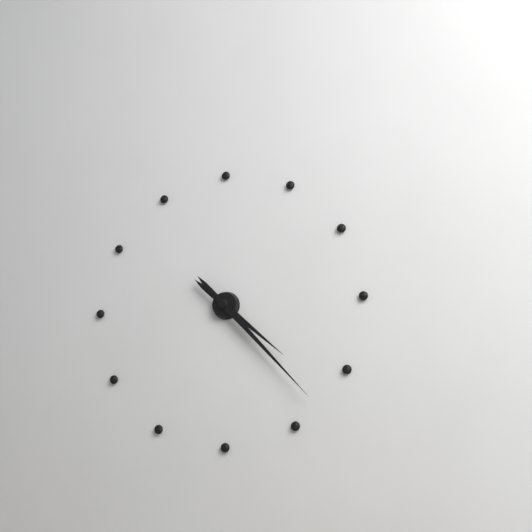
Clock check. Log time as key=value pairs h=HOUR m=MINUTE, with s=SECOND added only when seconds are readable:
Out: h=4 m=23
